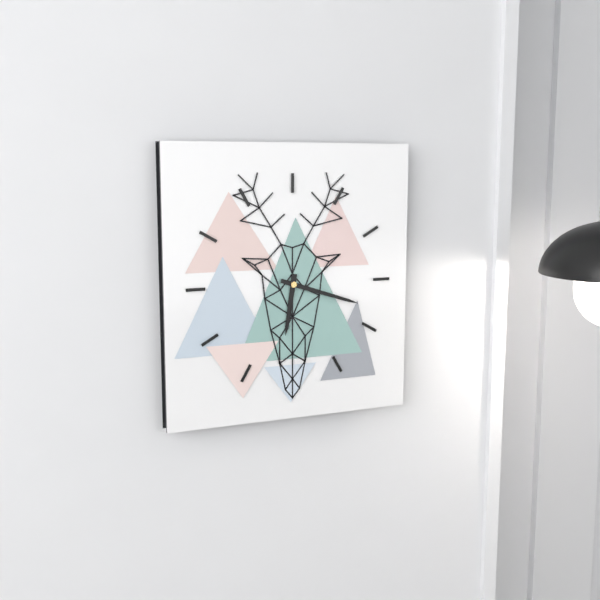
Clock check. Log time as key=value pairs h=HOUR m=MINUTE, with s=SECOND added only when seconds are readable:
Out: h=6 m=18
